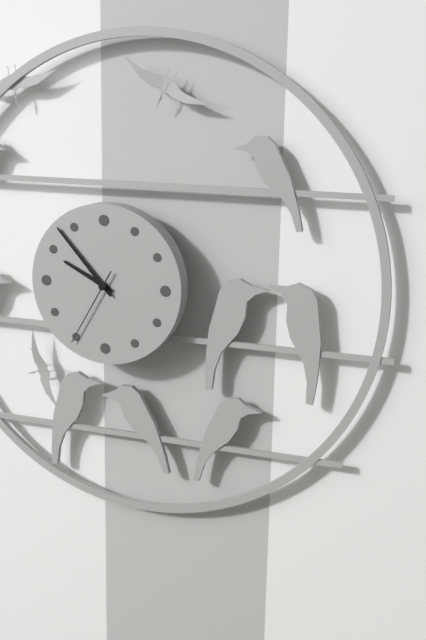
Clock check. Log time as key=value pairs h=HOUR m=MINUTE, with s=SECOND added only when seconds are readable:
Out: h=9 m=53 s=35
